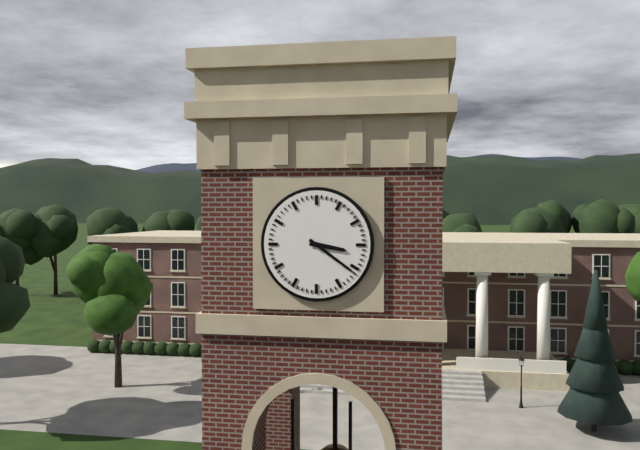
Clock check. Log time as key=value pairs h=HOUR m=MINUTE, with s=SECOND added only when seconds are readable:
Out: h=3 m=21
